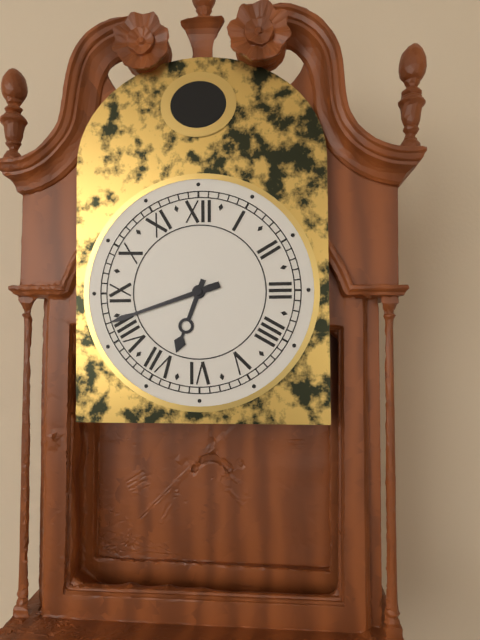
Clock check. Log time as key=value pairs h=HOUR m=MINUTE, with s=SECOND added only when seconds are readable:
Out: h=6 m=42
